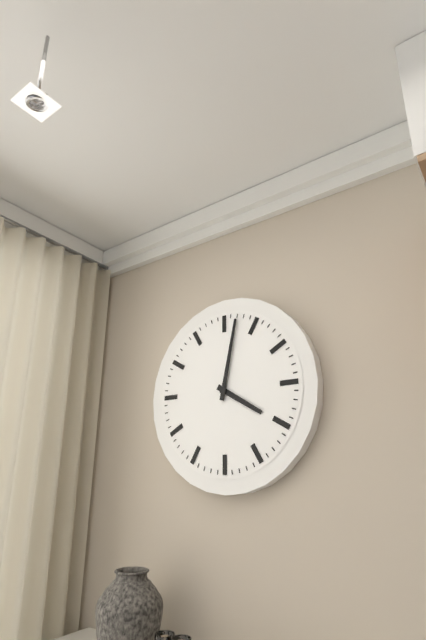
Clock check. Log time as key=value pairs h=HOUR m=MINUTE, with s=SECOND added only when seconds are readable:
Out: h=4 m=2
